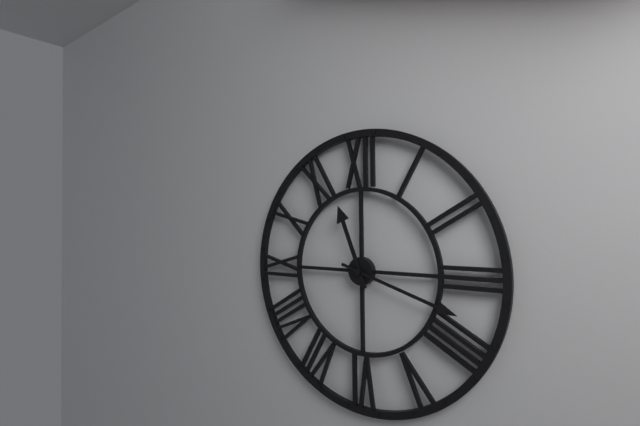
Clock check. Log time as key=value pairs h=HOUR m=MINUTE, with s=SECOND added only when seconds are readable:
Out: h=11 m=18
